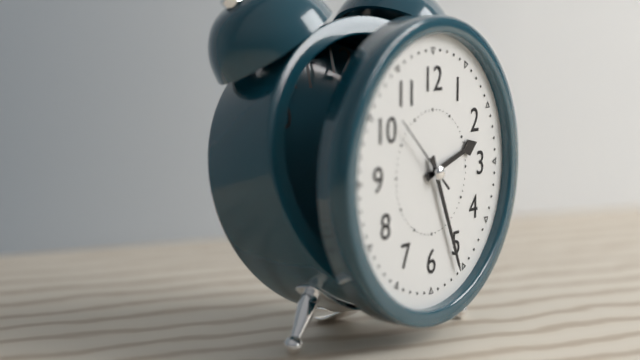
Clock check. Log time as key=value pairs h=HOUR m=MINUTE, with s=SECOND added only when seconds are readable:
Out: h=2 m=26 s=52
